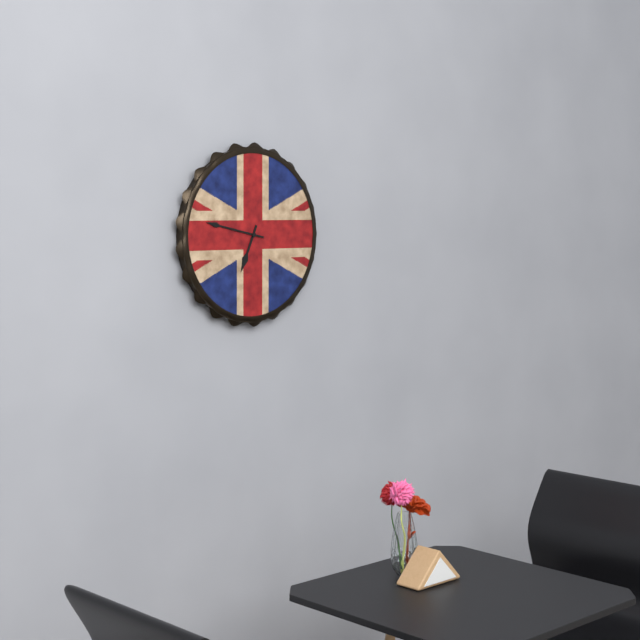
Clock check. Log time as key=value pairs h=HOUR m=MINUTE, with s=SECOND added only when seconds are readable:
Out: h=6 m=47
